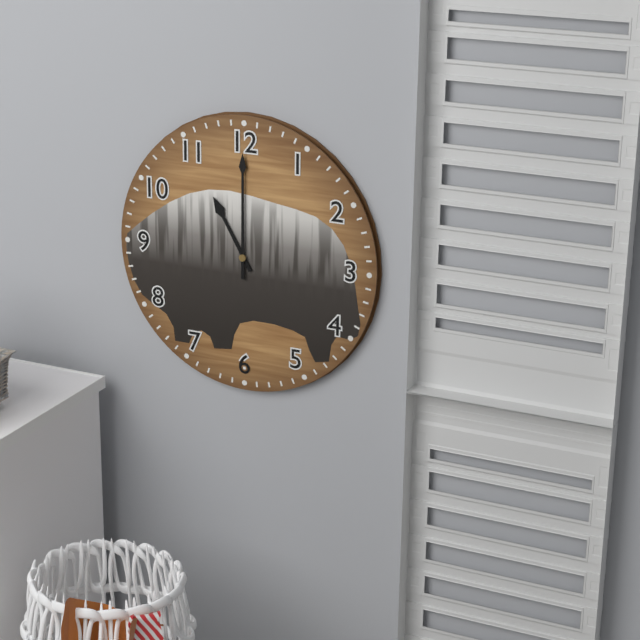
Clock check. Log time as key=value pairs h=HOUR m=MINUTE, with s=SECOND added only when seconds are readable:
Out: h=11 m=0
